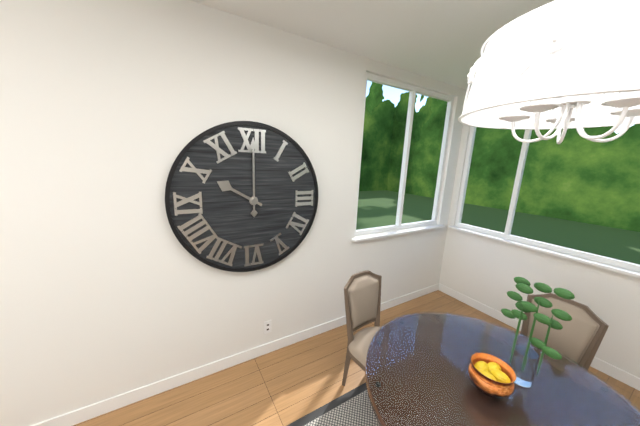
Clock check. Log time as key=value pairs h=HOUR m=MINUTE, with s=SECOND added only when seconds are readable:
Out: h=10 m=0
